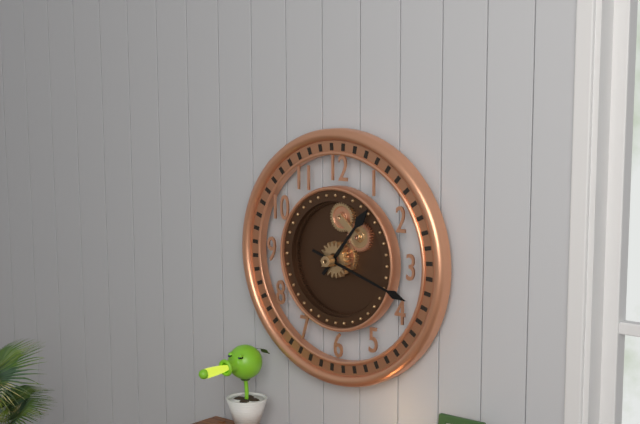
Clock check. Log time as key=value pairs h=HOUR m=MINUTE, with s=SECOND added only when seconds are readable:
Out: h=1 m=18
